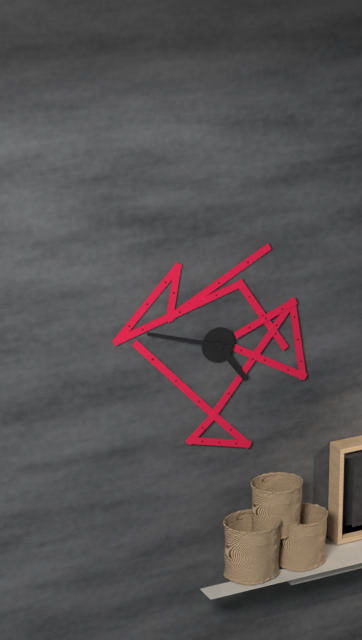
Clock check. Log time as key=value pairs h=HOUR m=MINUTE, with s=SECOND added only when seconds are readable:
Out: h=4 m=48
